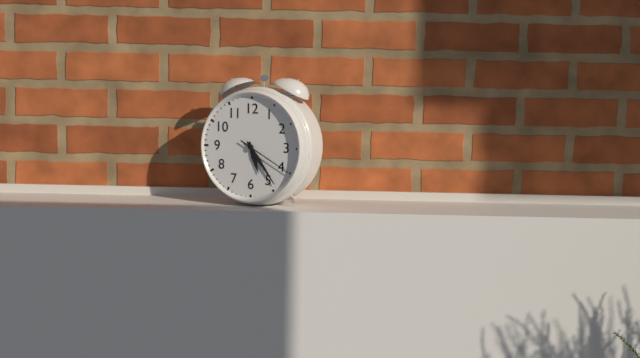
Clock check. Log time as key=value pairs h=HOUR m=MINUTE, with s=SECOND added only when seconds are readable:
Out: h=5 m=24 s=20
